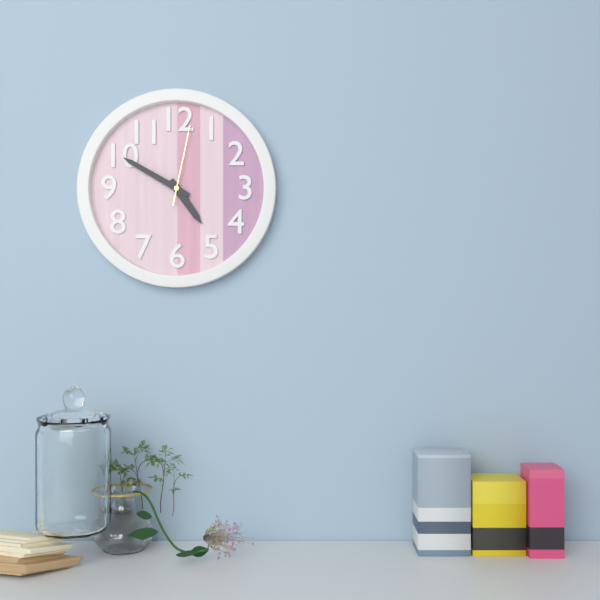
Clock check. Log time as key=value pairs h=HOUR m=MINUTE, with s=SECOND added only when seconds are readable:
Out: h=4 m=50 s=2
